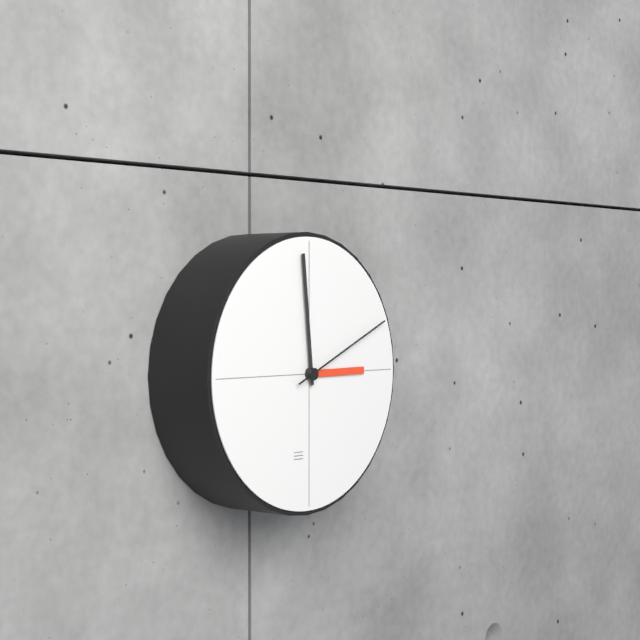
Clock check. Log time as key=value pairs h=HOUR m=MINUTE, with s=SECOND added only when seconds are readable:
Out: h=2 m=59 s=11
